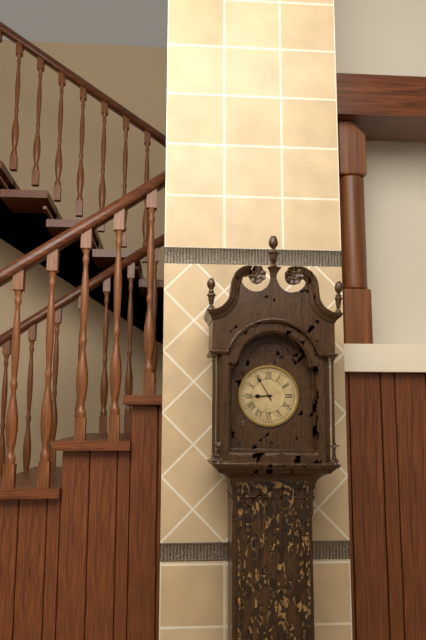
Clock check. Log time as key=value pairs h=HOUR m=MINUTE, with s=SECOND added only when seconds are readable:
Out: h=8 m=55
